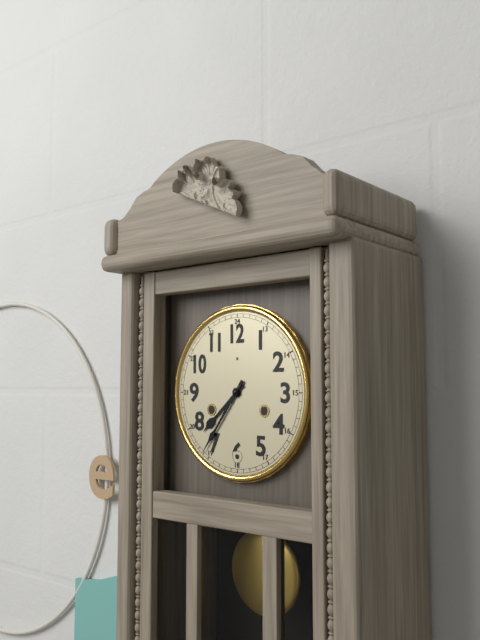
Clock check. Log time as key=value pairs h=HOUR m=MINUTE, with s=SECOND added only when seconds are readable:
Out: h=7 m=36
